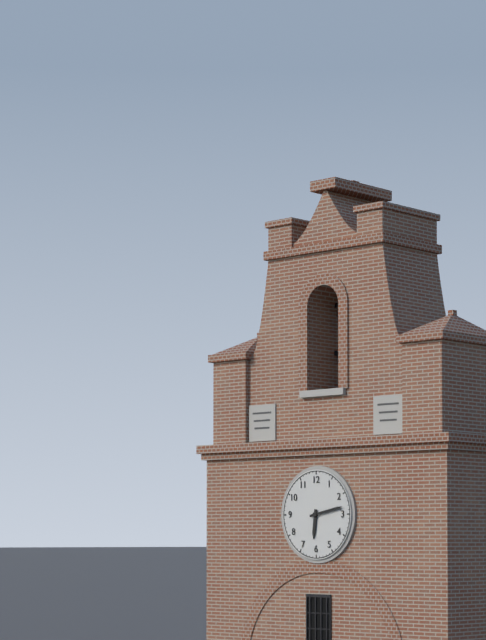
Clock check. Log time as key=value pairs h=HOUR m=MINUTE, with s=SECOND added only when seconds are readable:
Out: h=6 m=13
